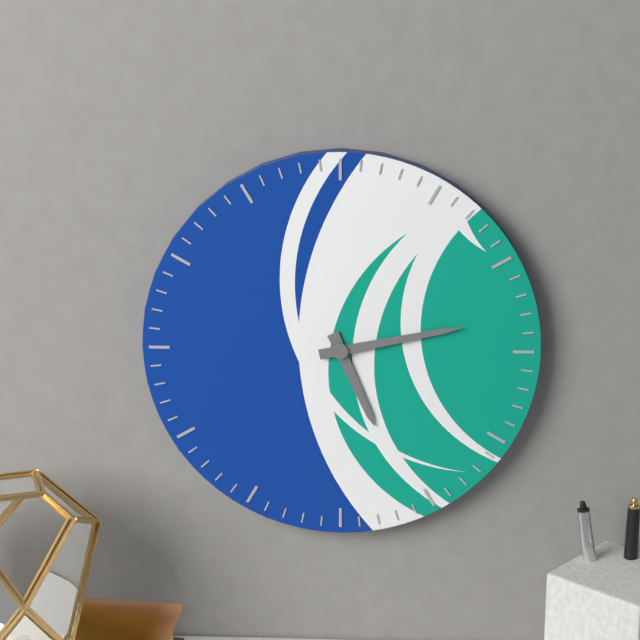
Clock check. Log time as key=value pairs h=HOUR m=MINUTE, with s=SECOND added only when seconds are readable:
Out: h=5 m=13
